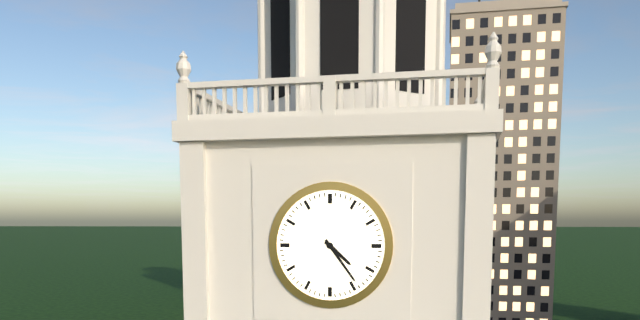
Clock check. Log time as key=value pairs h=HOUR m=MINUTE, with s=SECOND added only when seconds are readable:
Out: h=4 m=24
